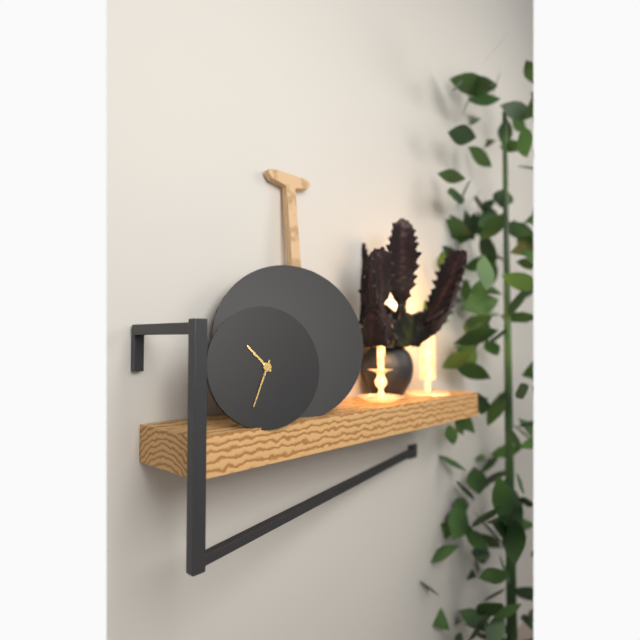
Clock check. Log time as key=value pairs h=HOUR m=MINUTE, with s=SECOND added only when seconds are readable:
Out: h=10 m=34
